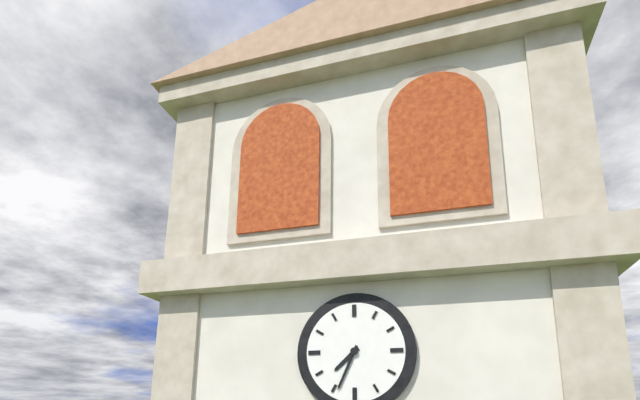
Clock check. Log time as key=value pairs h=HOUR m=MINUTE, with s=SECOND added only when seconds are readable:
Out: h=7 m=34
